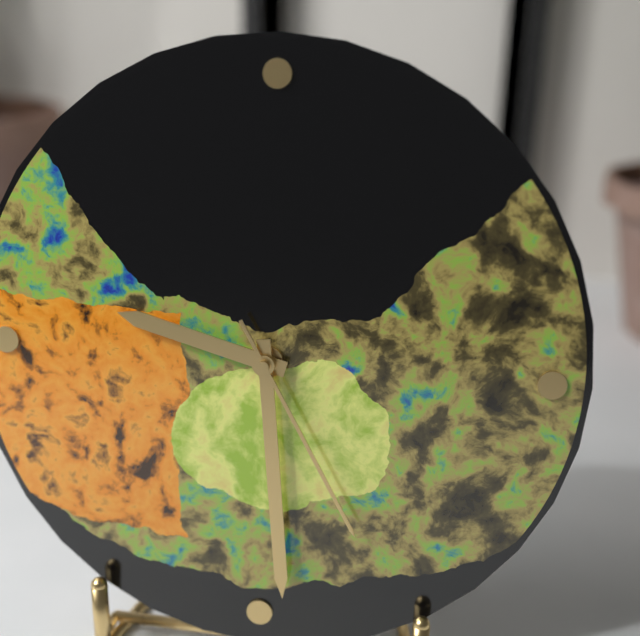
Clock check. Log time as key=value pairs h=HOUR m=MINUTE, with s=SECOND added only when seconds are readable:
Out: h=9 m=29 s=25
